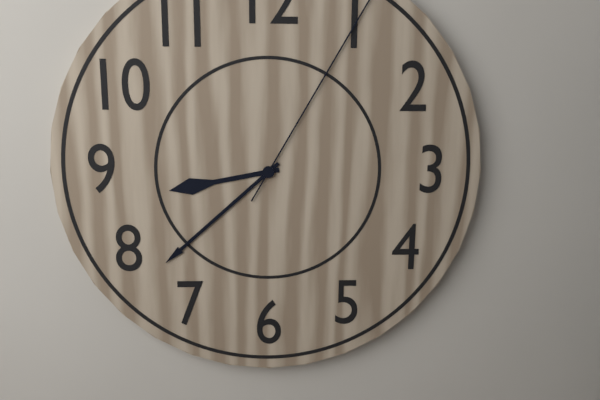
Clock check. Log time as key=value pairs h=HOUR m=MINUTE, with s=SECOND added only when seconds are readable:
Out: h=8 m=38
